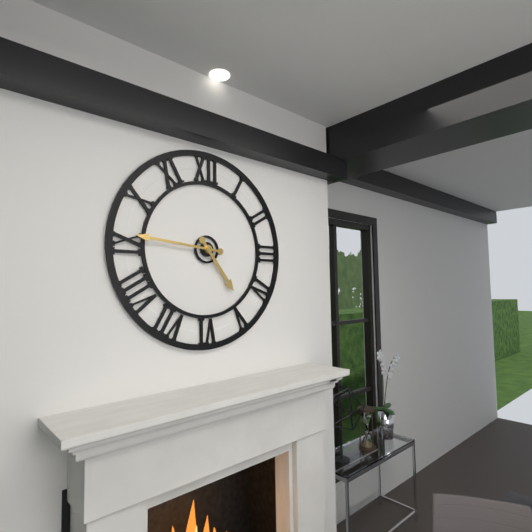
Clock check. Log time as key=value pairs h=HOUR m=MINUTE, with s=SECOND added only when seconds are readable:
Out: h=4 m=46
